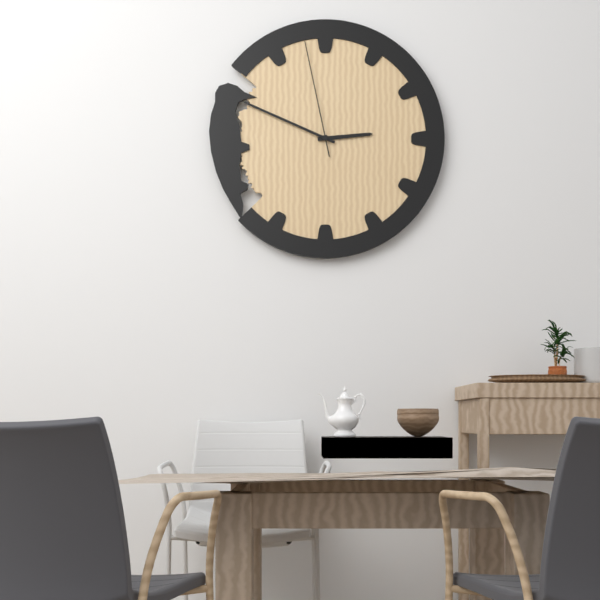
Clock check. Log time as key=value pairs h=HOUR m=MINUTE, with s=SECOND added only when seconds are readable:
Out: h=2 m=49 s=58
